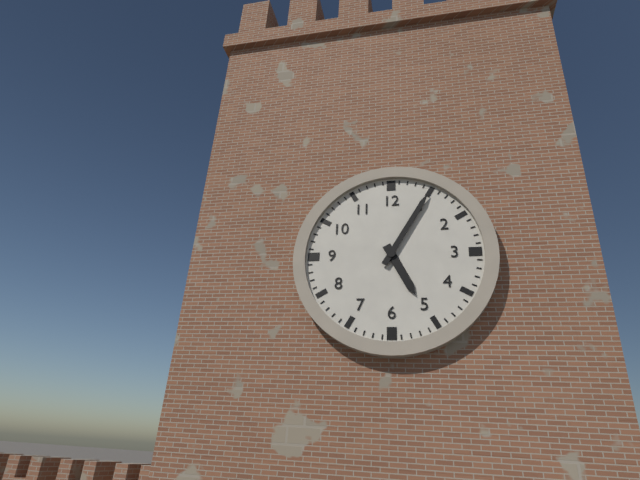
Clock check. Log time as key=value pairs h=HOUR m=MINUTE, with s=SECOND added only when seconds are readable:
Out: h=5 m=5
